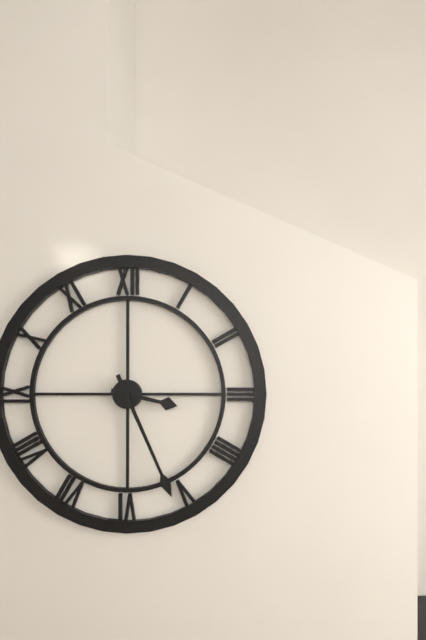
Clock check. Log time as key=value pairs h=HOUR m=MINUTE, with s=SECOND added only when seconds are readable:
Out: h=3 m=26
